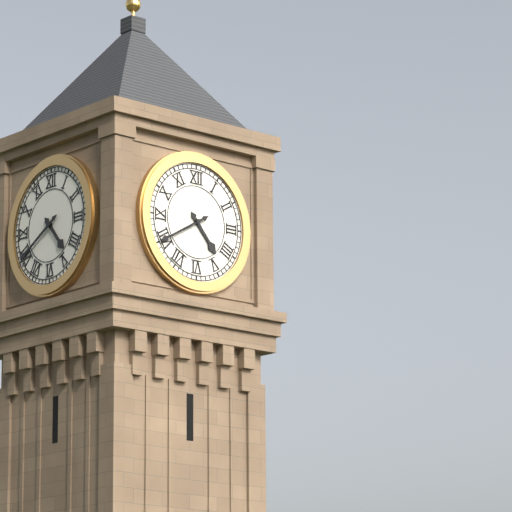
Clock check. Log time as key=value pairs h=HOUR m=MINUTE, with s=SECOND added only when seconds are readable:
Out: h=4 m=40
